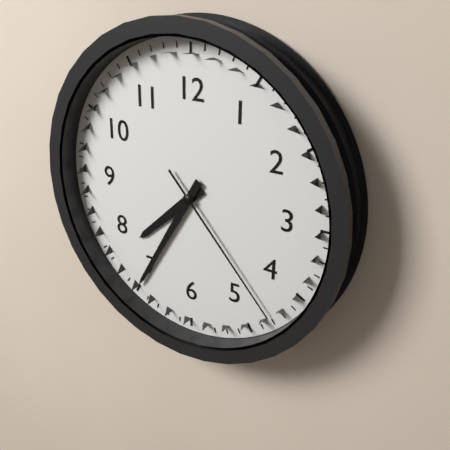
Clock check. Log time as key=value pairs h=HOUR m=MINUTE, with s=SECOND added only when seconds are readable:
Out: h=7 m=35 s=23
